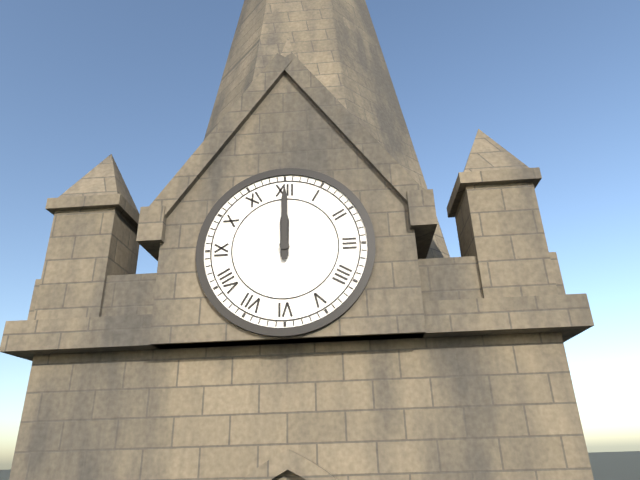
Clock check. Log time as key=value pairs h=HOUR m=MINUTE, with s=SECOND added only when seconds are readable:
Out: h=12 m=0
